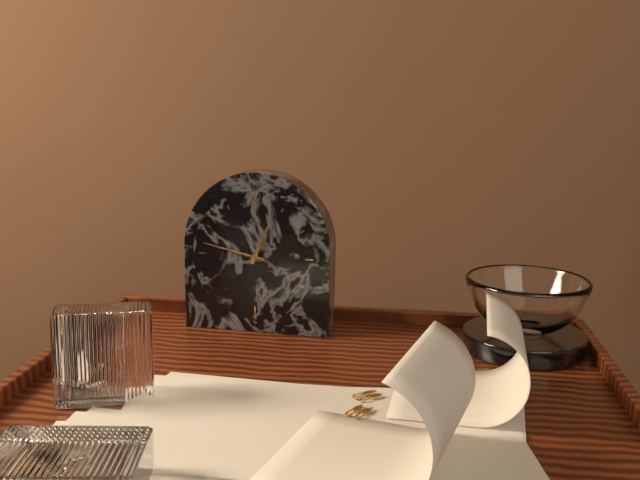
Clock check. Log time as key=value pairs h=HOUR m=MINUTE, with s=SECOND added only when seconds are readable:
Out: h=12 m=47
